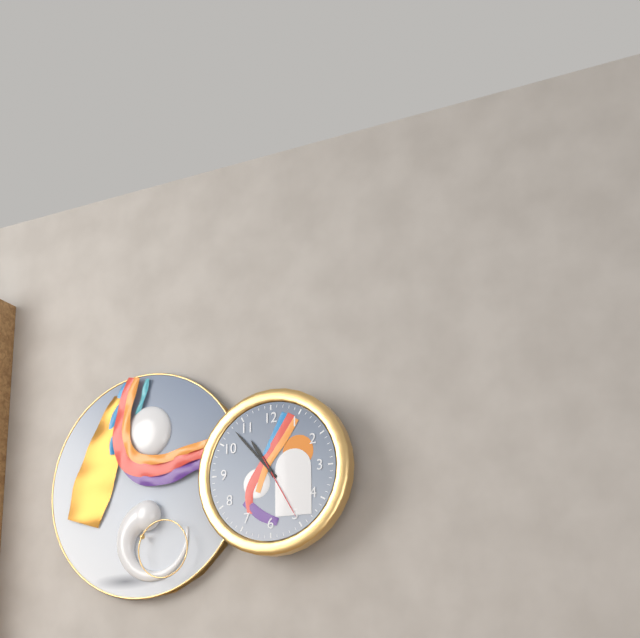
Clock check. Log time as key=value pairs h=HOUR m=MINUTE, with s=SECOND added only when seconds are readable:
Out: h=10 m=53 s=25
